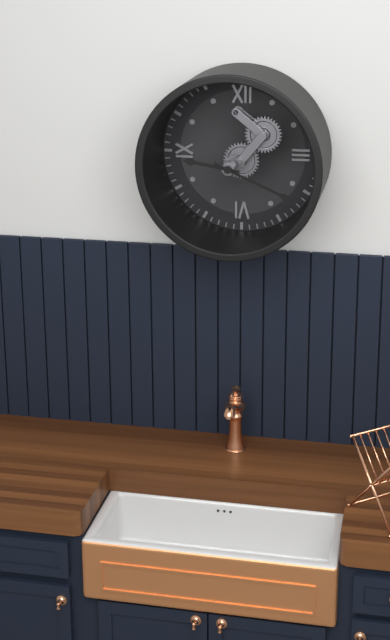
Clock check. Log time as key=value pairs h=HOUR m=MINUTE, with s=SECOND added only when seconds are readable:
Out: h=9 m=19
